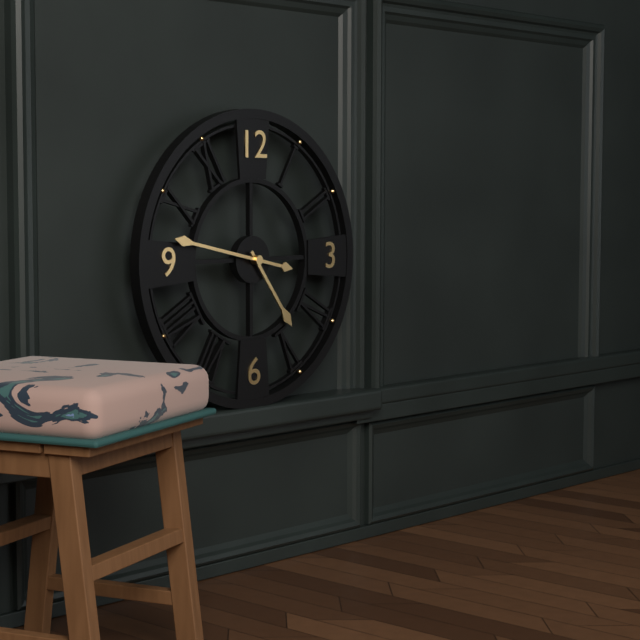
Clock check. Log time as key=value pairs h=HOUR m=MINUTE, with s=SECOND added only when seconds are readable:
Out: h=4 m=47
